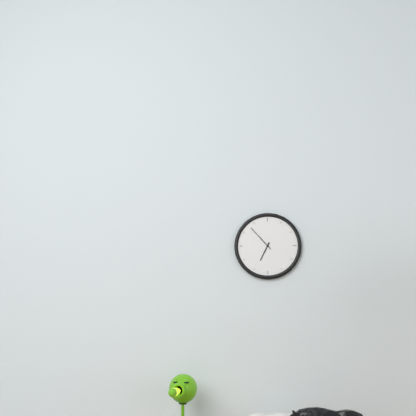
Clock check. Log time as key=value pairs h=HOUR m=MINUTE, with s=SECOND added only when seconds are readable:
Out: h=6 m=53
